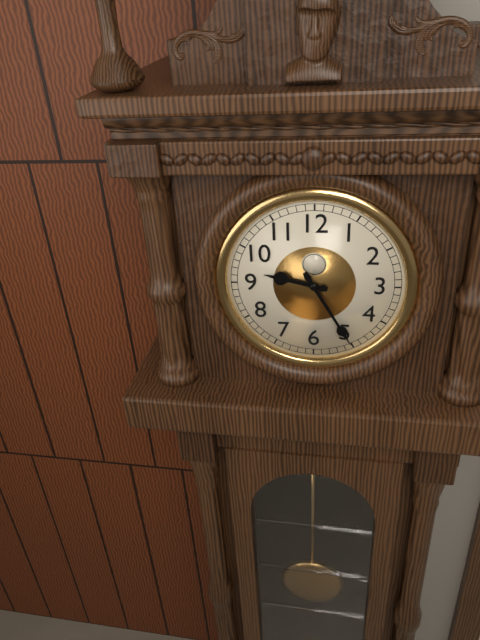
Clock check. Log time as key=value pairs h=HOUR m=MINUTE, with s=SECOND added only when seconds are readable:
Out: h=9 m=25
